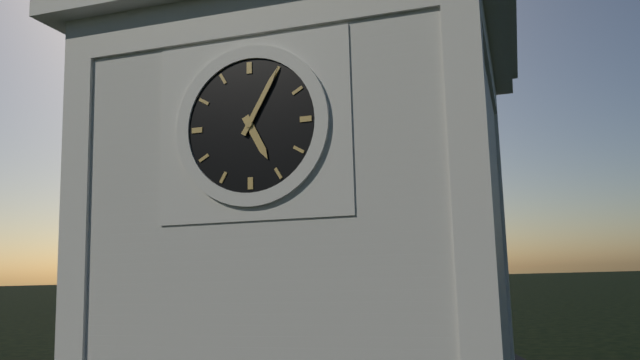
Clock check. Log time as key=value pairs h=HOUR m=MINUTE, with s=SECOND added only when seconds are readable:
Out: h=5 m=5
